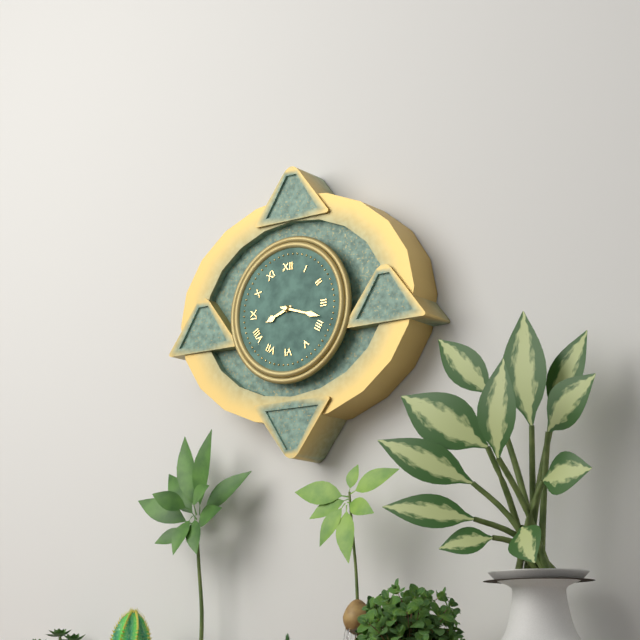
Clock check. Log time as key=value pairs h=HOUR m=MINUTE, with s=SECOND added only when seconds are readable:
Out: h=8 m=18
